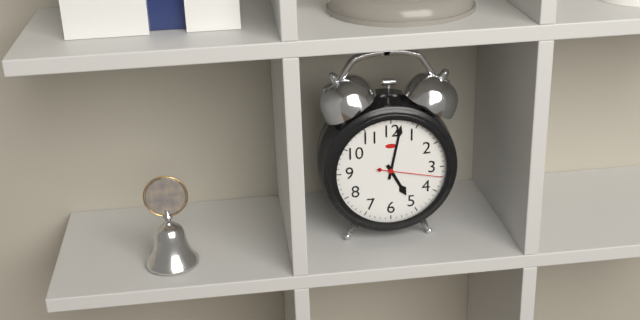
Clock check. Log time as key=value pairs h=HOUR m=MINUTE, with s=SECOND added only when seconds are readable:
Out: h=5 m=2 s=17
